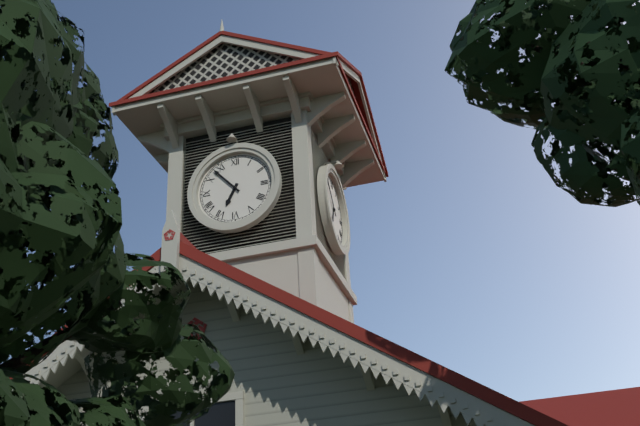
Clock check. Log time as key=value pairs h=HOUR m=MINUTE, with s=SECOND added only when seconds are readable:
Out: h=6 m=53
